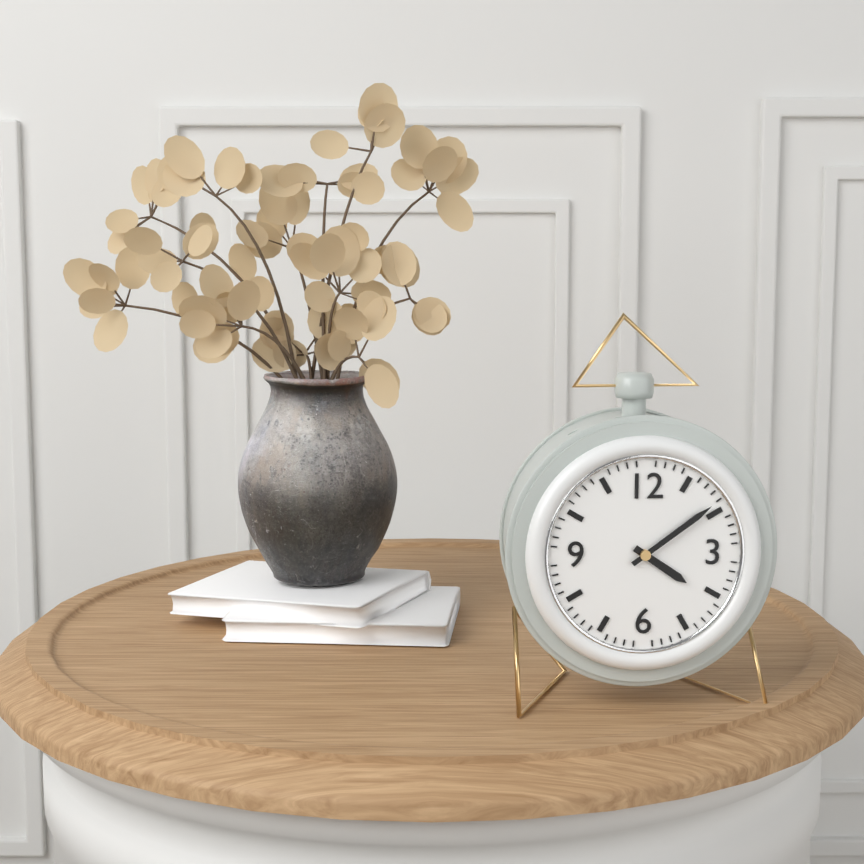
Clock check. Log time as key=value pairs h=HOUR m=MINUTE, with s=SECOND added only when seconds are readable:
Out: h=4 m=9
